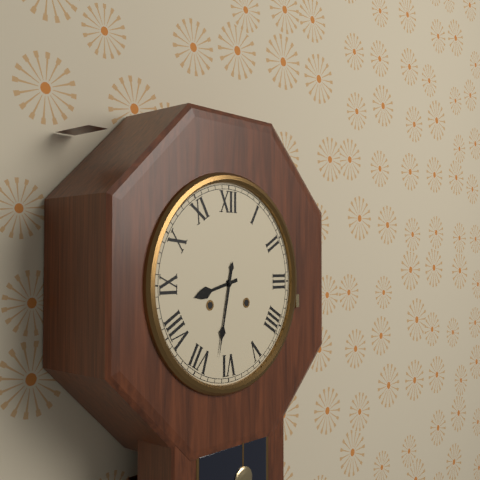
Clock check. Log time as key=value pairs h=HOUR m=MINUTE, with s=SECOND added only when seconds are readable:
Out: h=8 m=32
